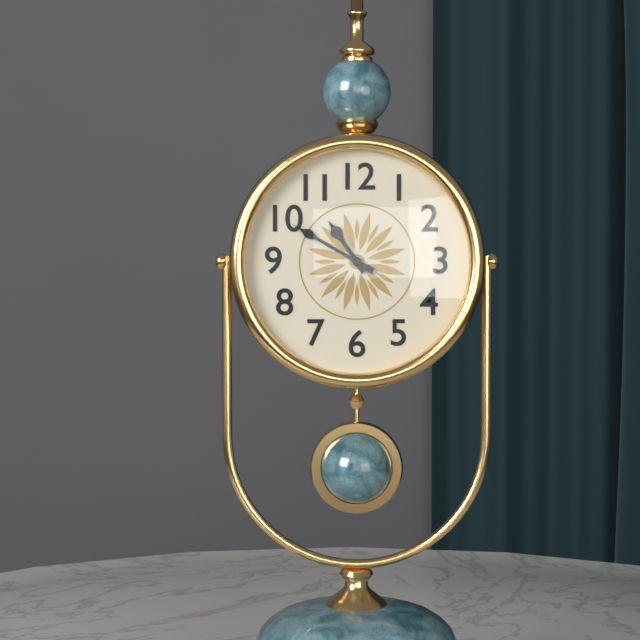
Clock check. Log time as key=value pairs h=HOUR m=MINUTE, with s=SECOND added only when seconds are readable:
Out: h=10 m=50
